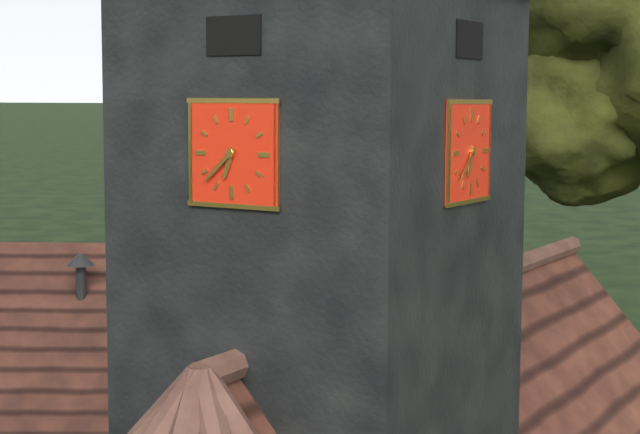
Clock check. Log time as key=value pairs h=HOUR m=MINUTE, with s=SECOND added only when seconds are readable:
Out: h=6 m=38
